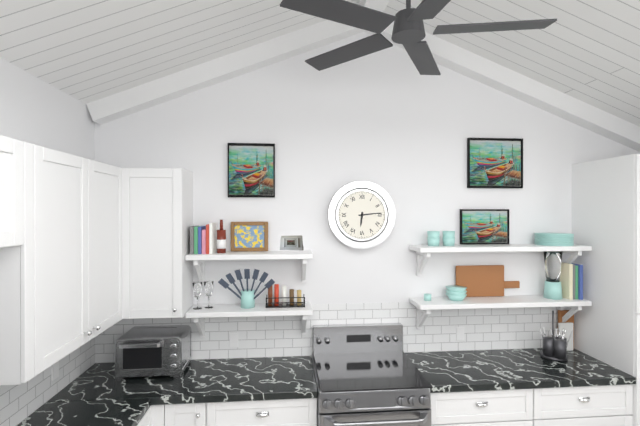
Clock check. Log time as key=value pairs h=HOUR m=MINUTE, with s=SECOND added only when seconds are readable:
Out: h=6 m=14
